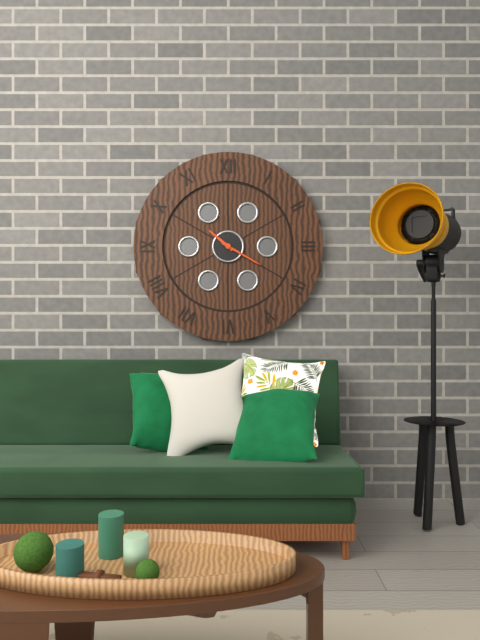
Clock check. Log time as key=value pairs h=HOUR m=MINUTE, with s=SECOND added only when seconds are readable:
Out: h=10 m=20
